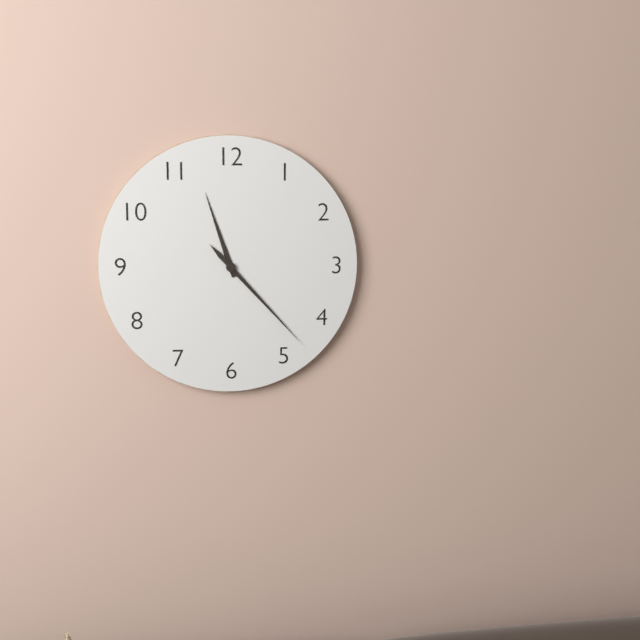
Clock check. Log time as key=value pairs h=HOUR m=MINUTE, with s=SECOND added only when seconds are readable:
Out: h=11 m=23
